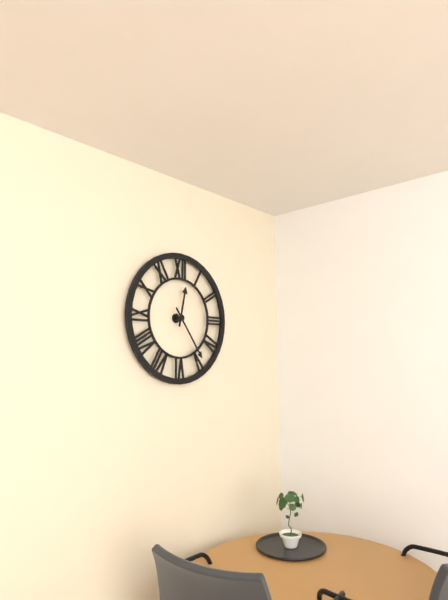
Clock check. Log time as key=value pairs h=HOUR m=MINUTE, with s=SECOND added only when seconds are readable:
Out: h=12 m=24
